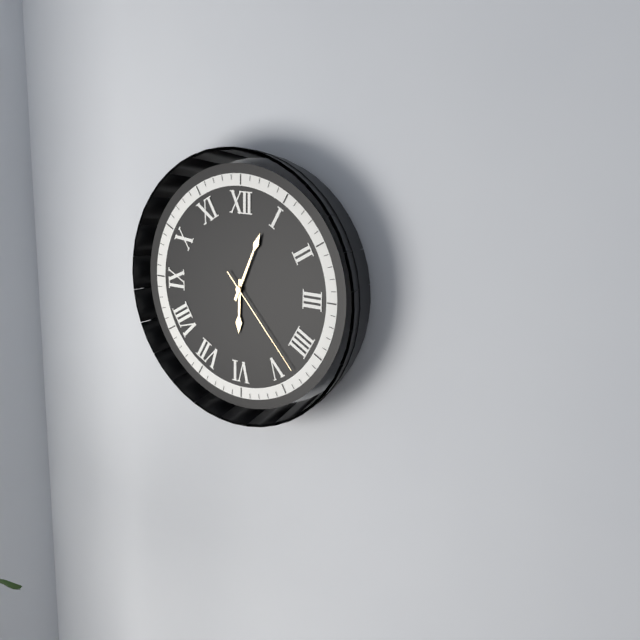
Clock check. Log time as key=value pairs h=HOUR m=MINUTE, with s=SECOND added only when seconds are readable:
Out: h=6 m=4 s=23
